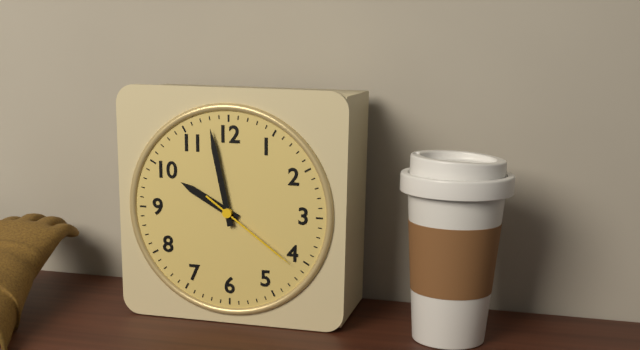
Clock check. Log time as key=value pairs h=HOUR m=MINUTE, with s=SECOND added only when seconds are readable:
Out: h=9 m=58 s=21
